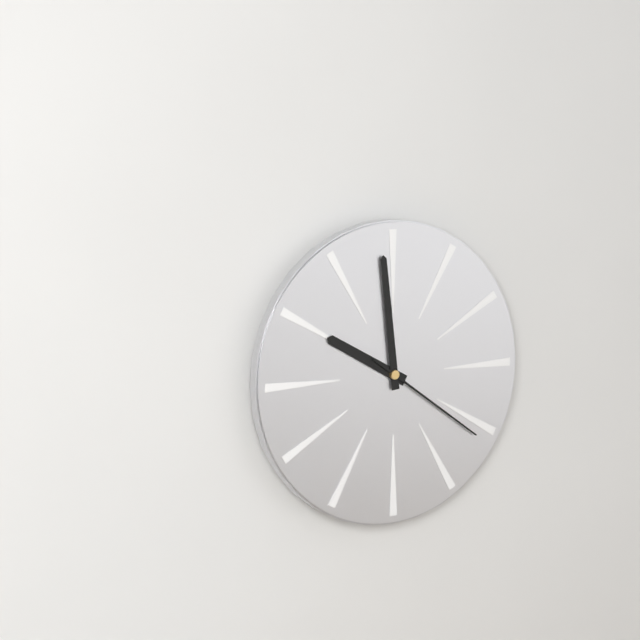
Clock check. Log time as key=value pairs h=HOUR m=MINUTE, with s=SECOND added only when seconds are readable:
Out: h=9 m=59 s=21
